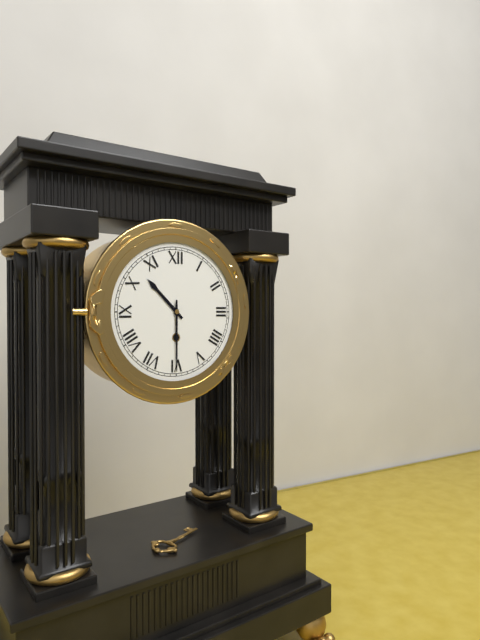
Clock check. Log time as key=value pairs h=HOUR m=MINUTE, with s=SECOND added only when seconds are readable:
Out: h=10 m=30
